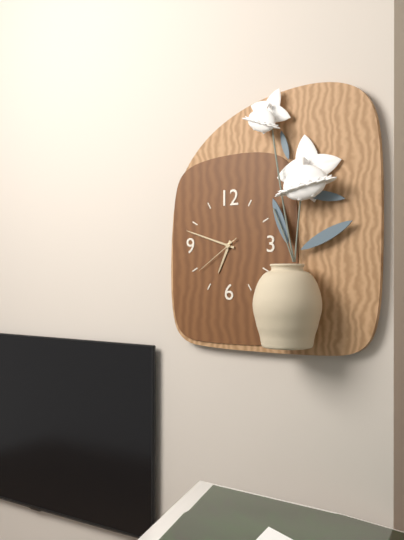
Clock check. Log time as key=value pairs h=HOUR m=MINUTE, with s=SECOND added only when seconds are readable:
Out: h=6 m=48 s=39
